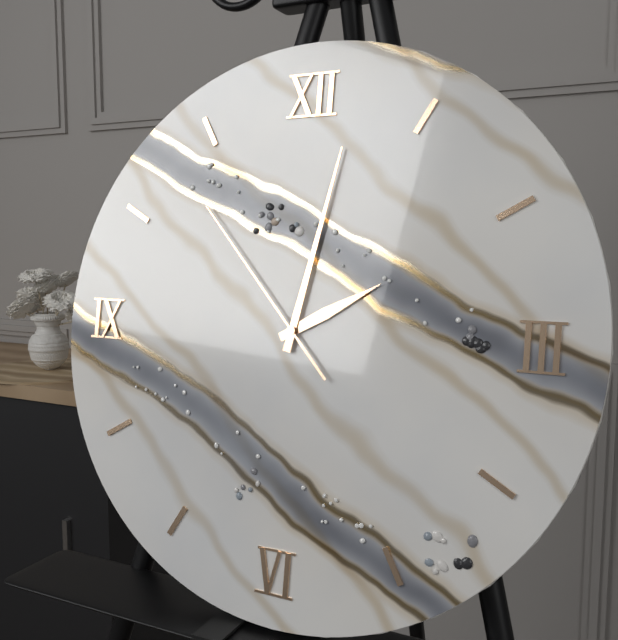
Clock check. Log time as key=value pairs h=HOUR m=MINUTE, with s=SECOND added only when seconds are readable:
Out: h=2 m=2 s=53
